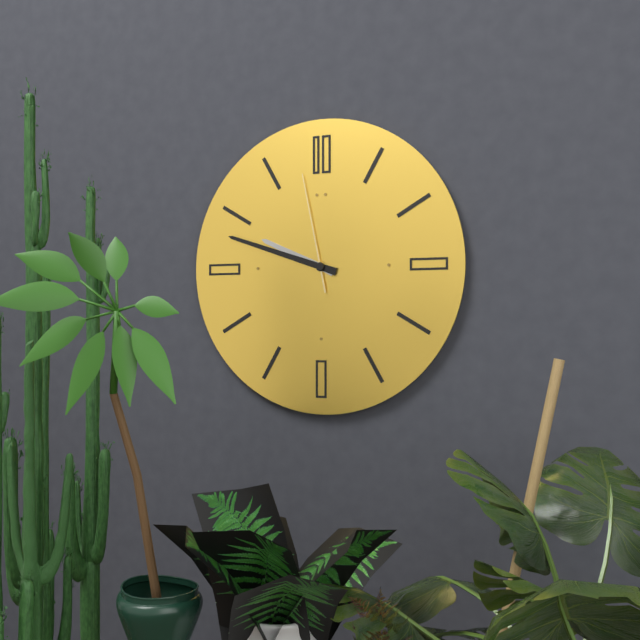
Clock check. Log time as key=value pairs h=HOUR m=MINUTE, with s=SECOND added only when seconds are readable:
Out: h=9 m=48 s=58
